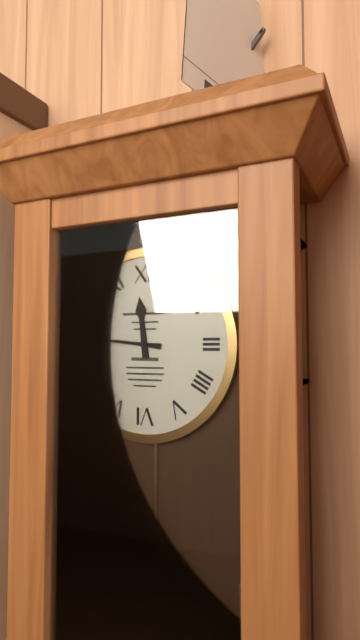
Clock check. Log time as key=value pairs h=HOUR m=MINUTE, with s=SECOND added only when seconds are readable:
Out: h=11 m=46
